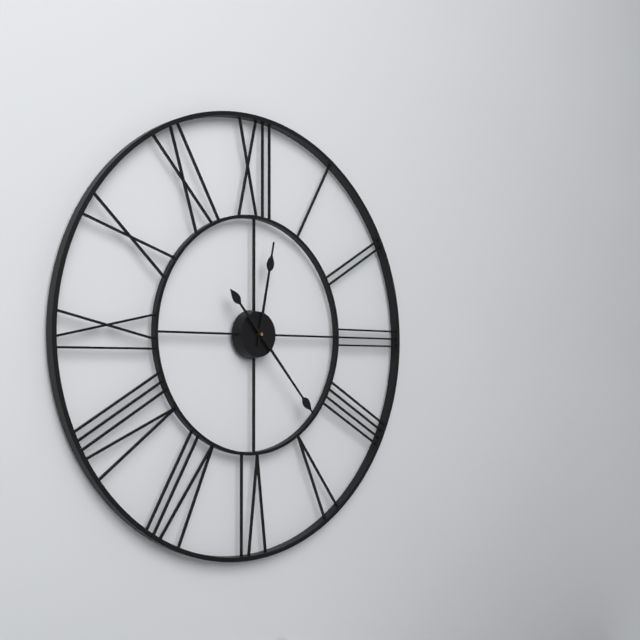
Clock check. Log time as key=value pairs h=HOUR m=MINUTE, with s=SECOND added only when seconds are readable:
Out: h=12 m=23
